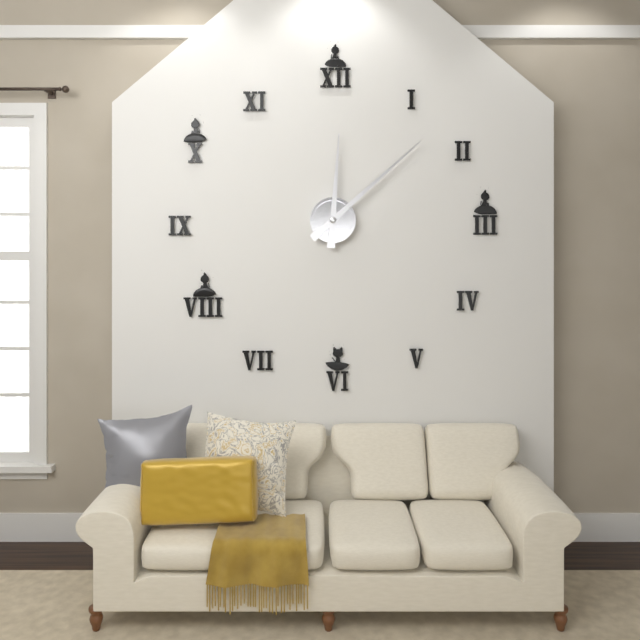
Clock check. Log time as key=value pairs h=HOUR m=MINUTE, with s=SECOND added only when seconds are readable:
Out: h=12 m=8
